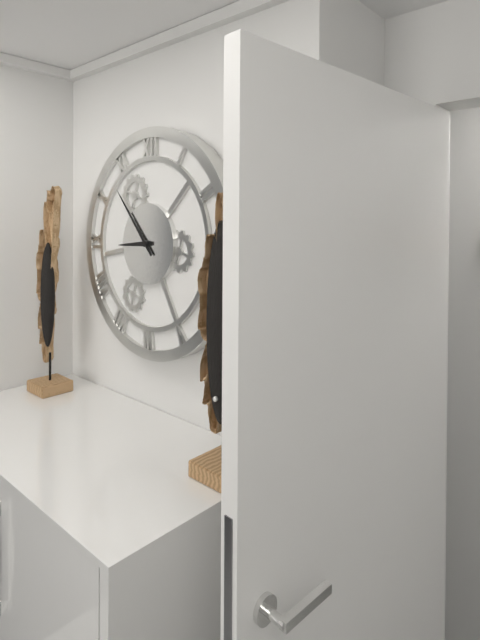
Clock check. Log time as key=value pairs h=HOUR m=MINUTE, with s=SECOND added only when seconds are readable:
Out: h=8 m=53
